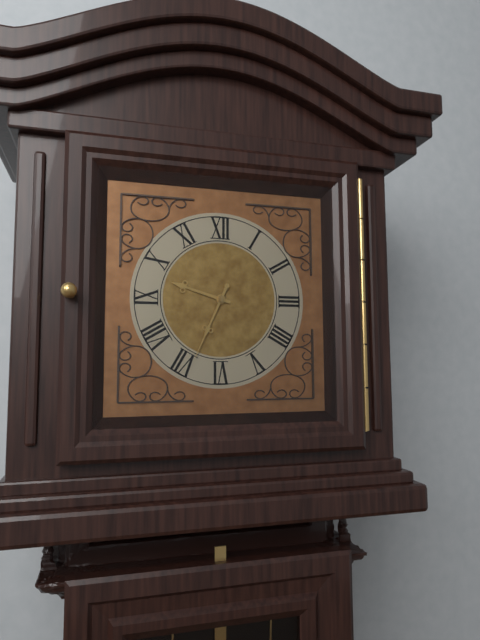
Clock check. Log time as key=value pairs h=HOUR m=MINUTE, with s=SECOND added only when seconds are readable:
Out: h=9 m=34
